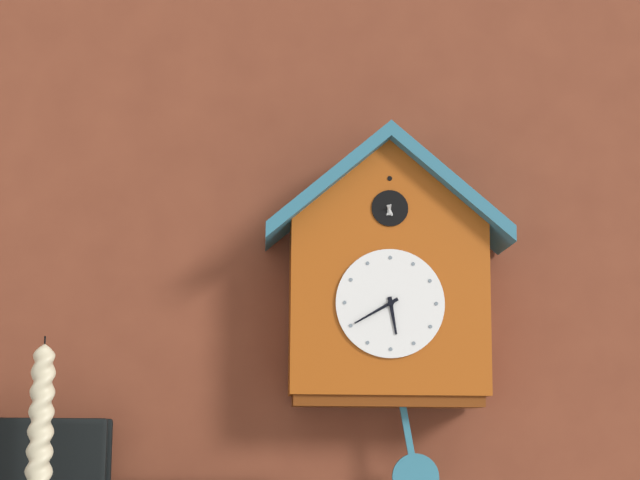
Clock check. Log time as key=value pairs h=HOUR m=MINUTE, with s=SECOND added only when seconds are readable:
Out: h=5 m=40
